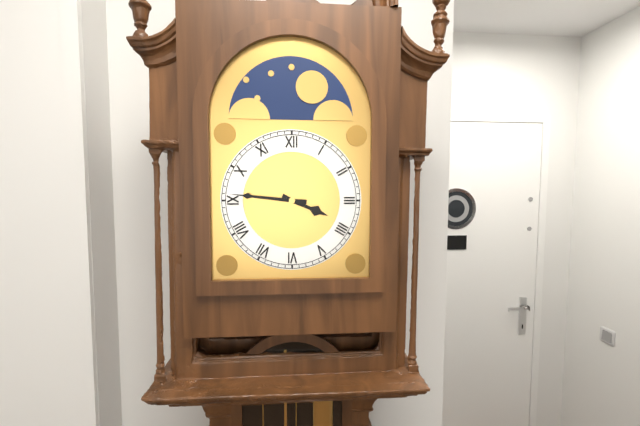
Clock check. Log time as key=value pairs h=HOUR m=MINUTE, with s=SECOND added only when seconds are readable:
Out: h=3 m=46
